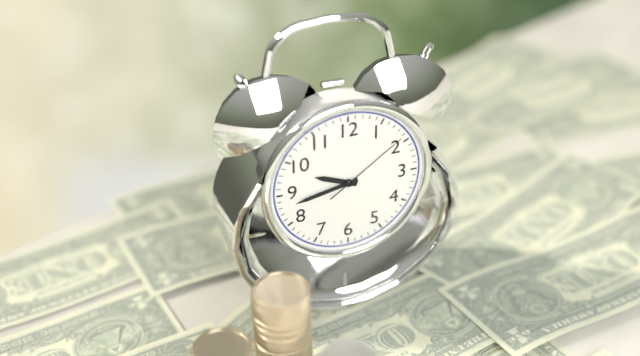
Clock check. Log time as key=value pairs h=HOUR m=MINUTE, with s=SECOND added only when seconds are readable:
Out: h=9 m=43 s=9
